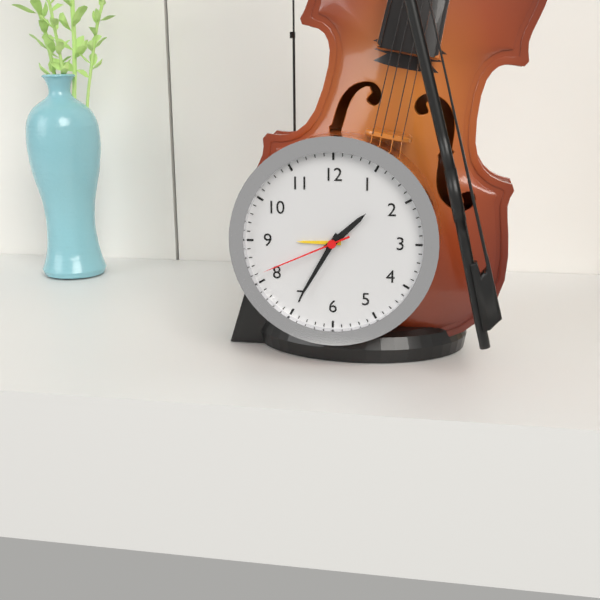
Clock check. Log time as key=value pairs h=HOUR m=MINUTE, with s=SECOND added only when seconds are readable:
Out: h=1 m=35 s=41
